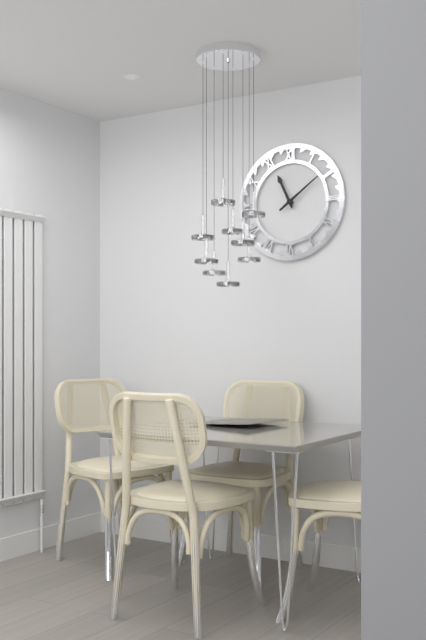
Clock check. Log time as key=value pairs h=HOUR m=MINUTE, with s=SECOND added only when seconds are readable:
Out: h=11 m=9
